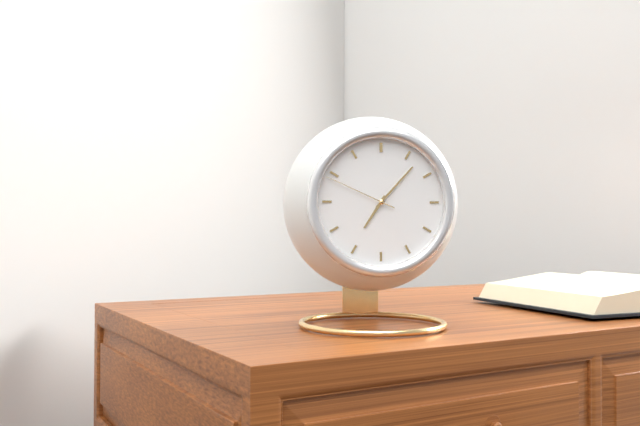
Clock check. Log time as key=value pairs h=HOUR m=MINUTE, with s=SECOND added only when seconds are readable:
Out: h=7 m=7 s=49
